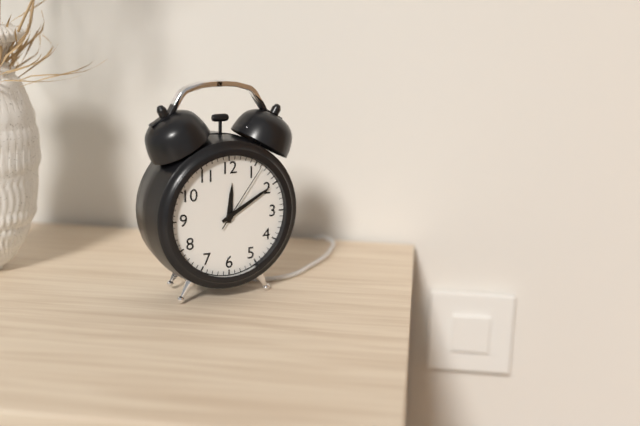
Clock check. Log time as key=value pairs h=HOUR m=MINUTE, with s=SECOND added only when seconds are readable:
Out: h=12 m=10 s=6
